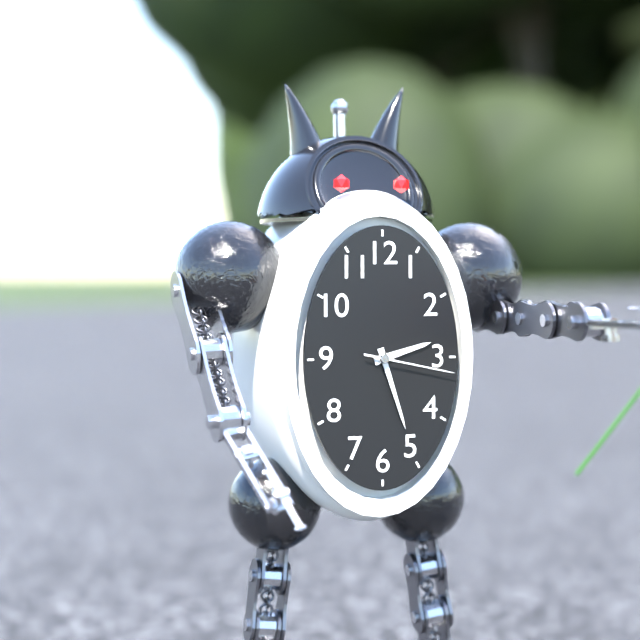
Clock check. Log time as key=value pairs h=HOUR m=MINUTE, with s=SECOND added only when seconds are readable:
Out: h=2 m=27 s=17
